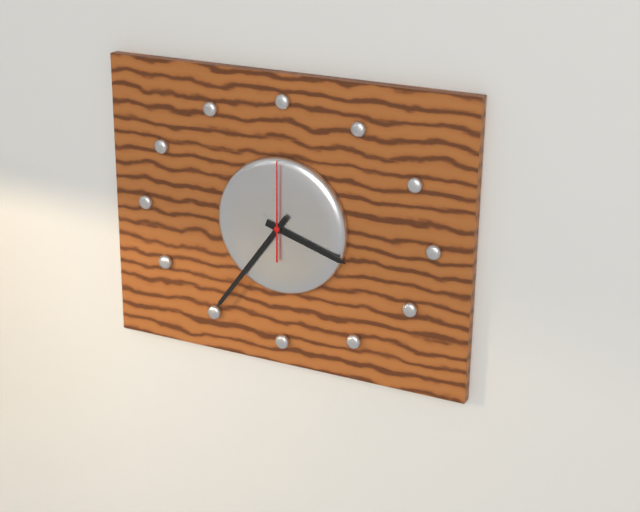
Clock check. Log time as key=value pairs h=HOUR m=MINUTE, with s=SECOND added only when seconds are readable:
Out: h=3 m=36 s=0
